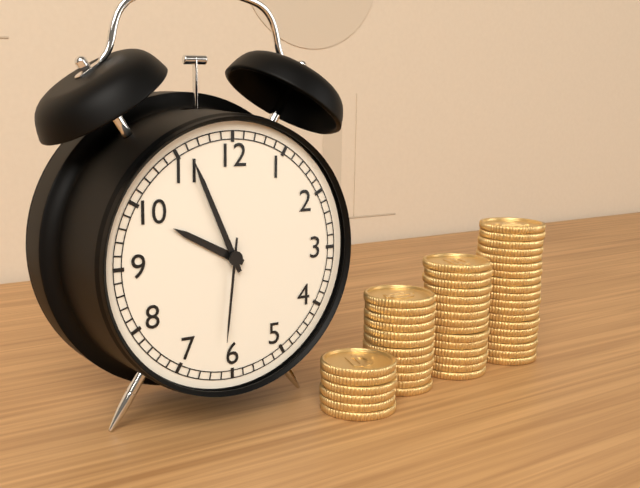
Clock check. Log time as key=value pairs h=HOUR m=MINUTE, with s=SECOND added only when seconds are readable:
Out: h=9 m=56 s=31
